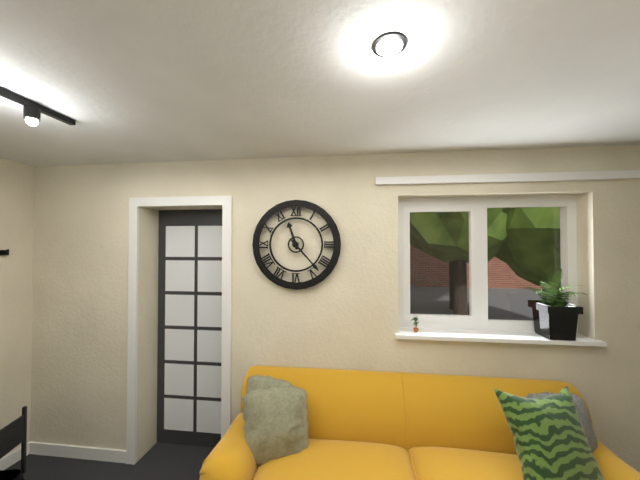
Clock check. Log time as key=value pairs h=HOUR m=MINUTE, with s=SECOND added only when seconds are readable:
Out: h=11 m=23
